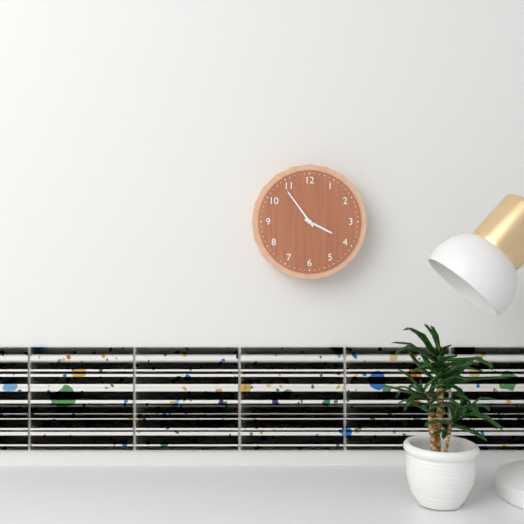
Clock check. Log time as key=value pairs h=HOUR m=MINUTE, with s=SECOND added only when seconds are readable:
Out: h=3 m=54
